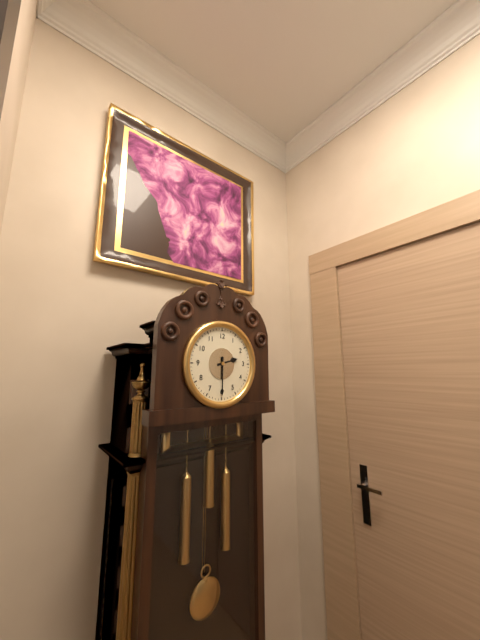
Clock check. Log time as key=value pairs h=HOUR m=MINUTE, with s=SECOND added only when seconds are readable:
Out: h=2 m=30
